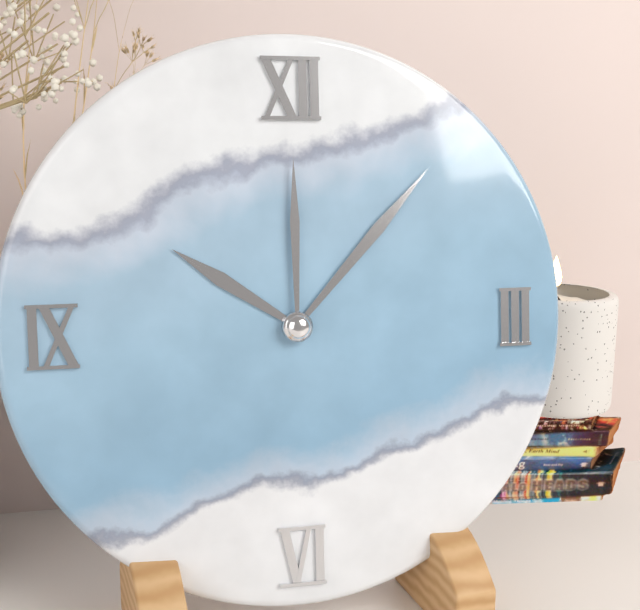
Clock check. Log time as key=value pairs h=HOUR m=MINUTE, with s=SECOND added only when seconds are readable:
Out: h=10 m=7 s=0
